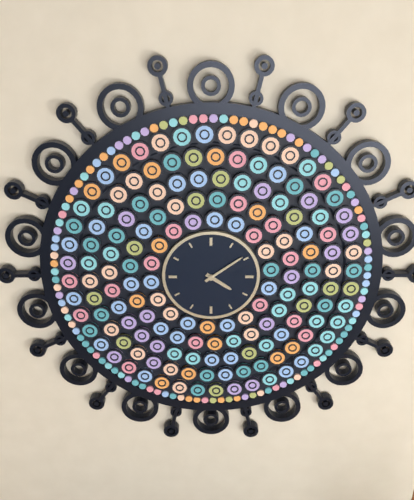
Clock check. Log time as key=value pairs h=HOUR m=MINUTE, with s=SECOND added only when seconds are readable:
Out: h=4 m=9
